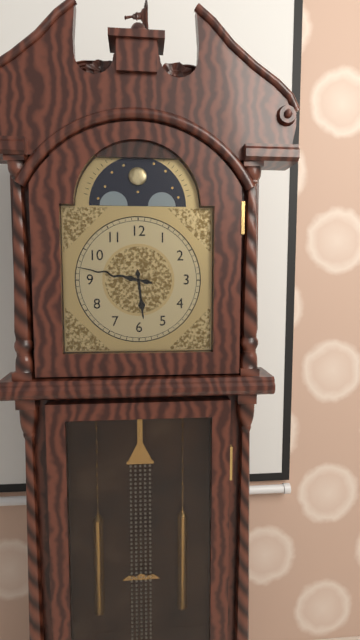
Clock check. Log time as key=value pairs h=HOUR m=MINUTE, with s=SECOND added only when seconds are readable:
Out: h=5 m=47
